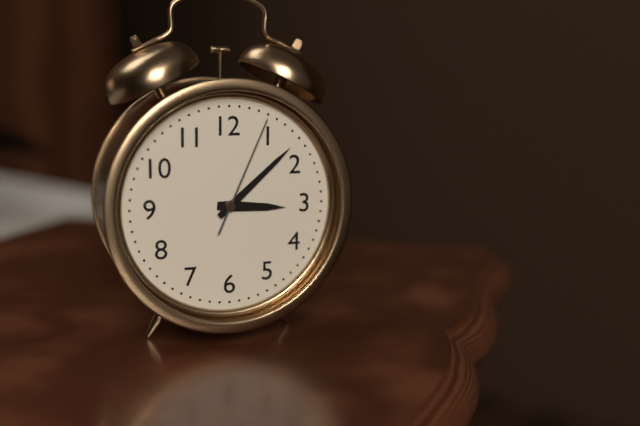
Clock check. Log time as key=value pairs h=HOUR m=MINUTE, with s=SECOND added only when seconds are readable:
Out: h=3 m=8 s=4
